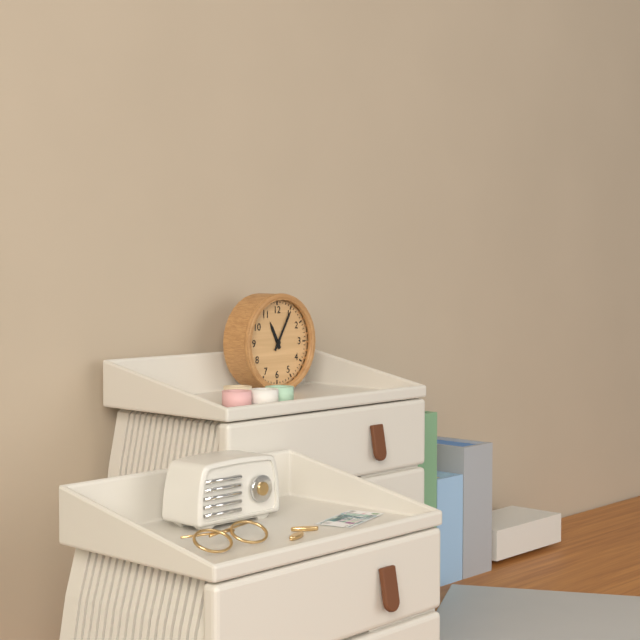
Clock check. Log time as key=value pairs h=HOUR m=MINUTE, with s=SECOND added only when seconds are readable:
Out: h=11 m=5
